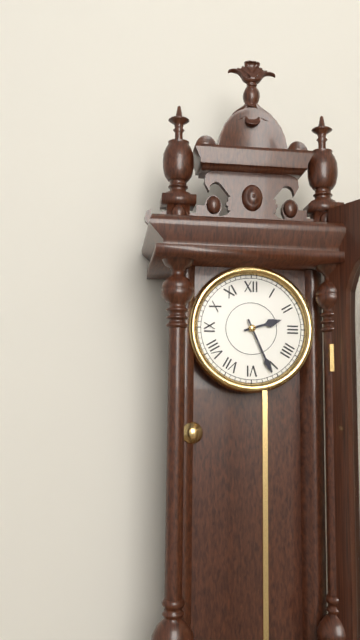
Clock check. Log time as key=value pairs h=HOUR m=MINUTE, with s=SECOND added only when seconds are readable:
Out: h=2 m=26
